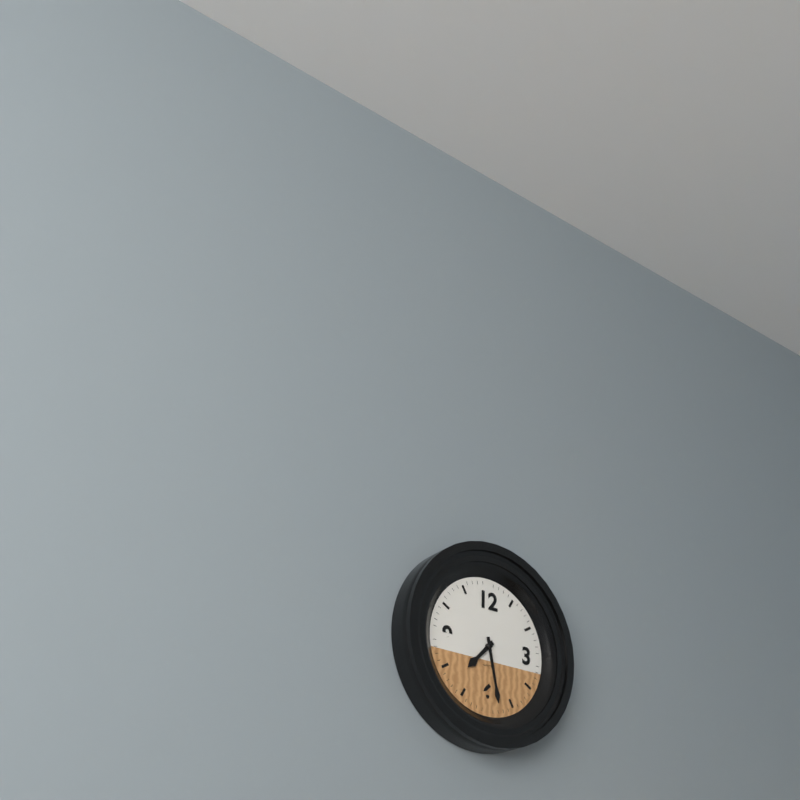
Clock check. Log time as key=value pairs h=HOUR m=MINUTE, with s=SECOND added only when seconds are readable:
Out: h=7 m=28
